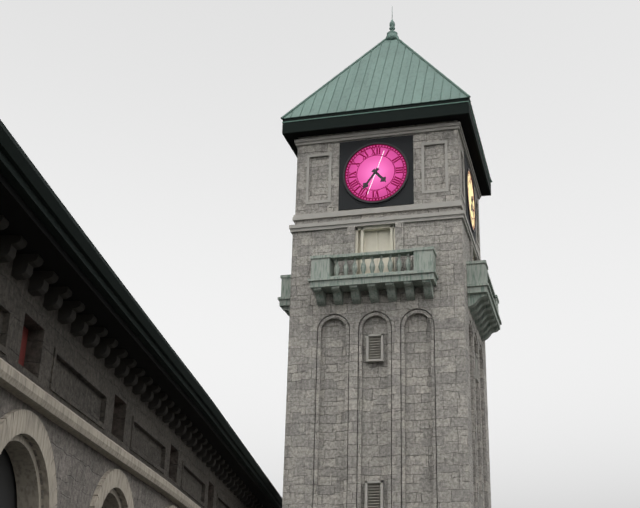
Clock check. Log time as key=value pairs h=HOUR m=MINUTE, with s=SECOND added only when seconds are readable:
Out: h=4 m=36
